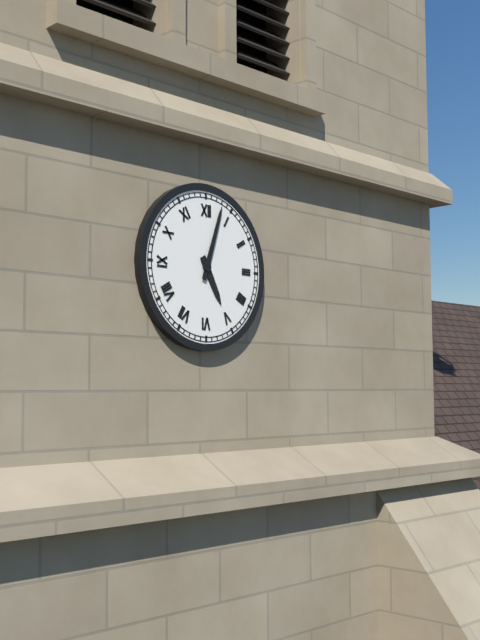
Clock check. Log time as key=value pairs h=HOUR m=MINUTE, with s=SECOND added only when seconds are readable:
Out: h=5 m=3
